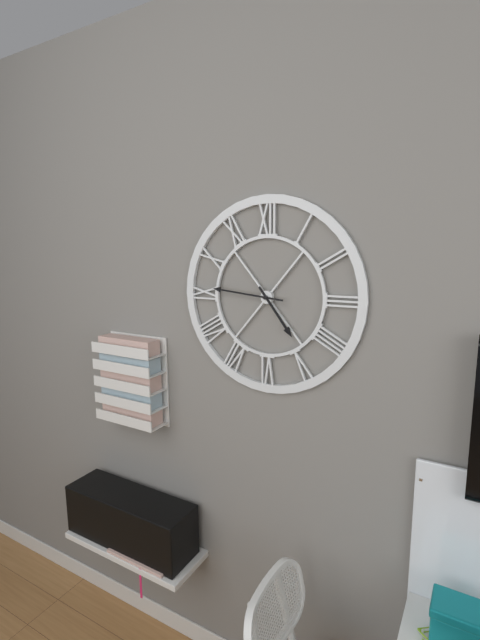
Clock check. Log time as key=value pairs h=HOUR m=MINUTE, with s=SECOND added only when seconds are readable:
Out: h=4 m=46
